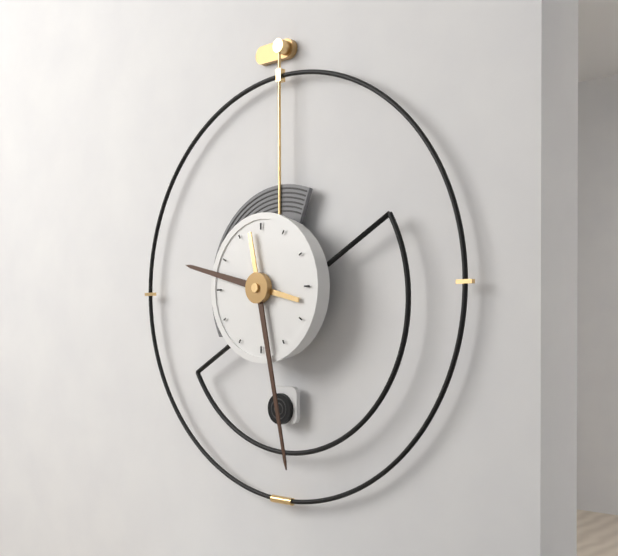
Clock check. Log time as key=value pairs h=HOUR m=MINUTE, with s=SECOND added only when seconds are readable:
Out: h=9 m=28
